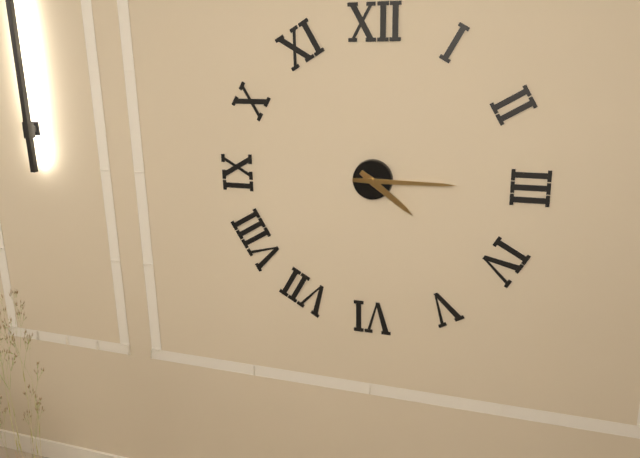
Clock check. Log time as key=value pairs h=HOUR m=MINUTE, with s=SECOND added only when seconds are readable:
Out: h=4 m=15
